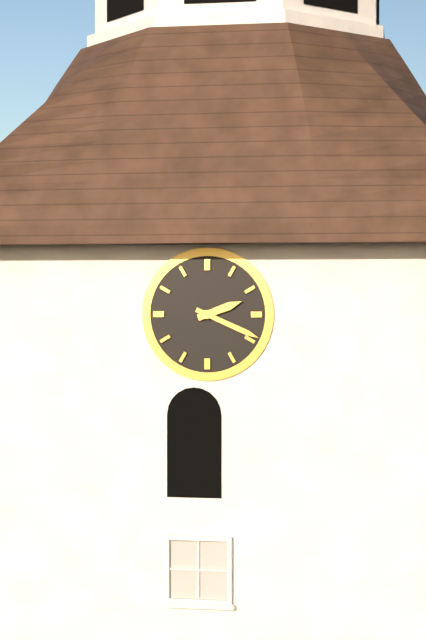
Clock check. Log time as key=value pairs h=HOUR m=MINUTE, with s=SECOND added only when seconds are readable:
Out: h=2 m=19
